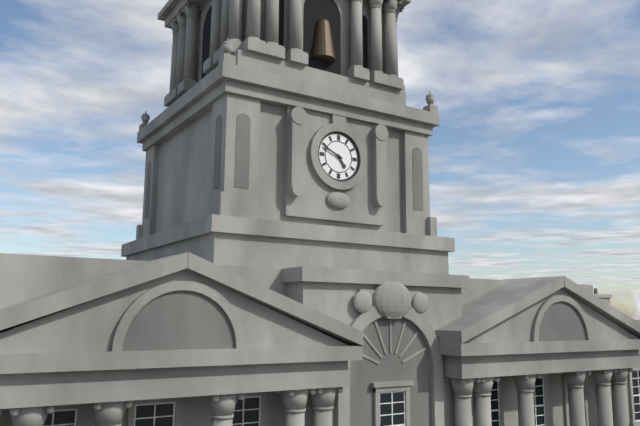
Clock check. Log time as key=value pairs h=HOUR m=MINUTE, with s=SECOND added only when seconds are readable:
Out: h=4 m=49
